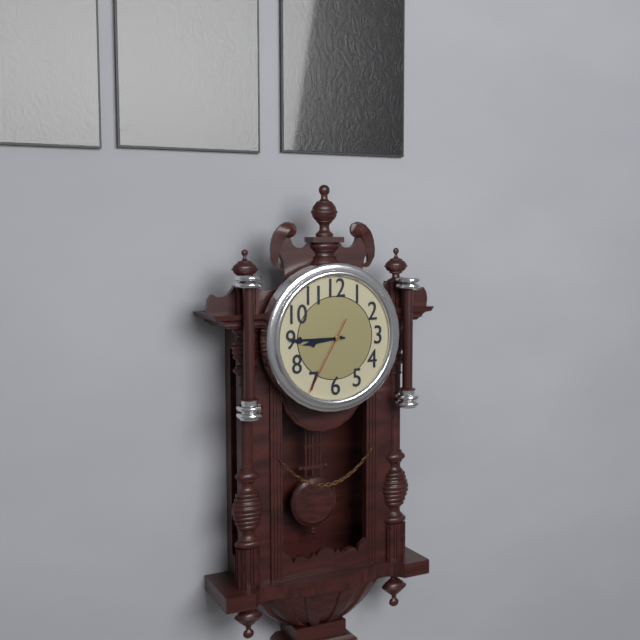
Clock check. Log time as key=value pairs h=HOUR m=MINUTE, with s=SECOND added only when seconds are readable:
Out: h=8 m=45 s=35
